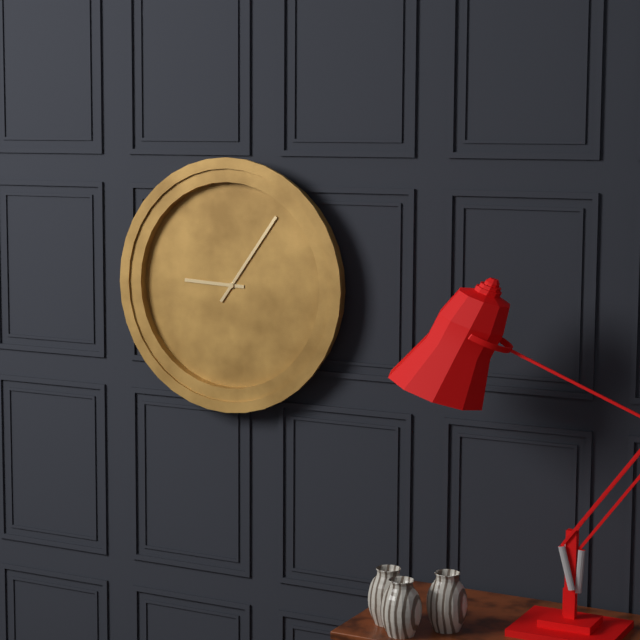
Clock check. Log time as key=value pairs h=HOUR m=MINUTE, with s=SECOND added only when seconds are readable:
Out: h=9 m=6
